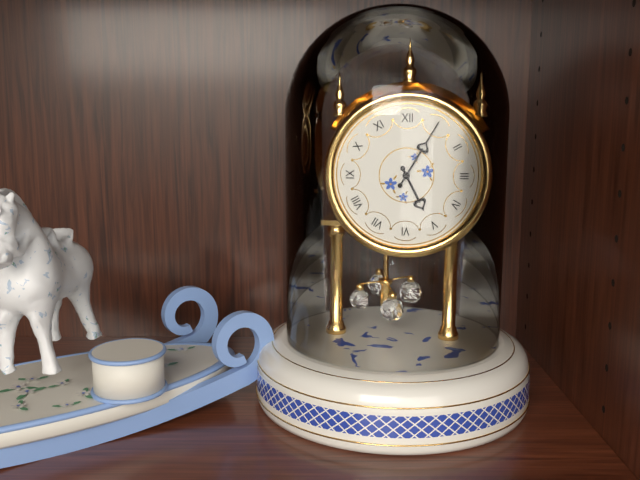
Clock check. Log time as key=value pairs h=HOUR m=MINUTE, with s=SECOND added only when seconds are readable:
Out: h=5 m=5
